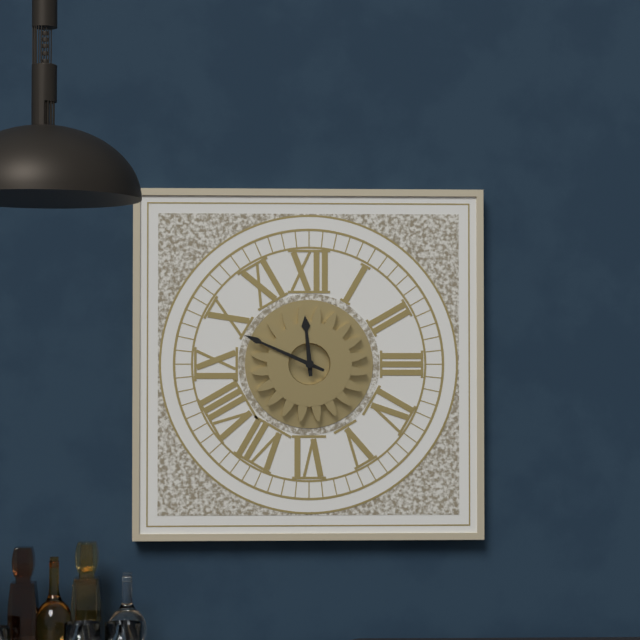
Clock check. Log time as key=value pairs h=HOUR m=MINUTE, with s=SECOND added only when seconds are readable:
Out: h=11 m=49
